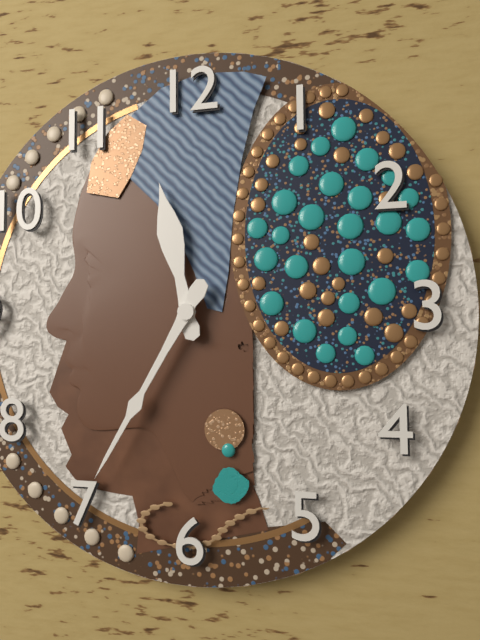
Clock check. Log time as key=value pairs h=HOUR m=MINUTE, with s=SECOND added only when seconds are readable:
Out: h=11 m=35
